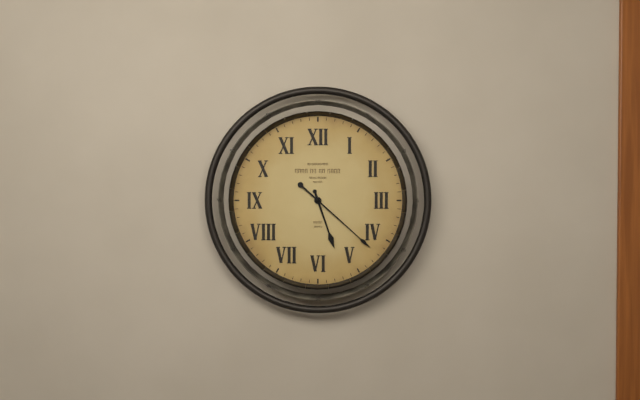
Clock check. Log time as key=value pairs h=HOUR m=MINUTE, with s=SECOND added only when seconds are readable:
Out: h=5 m=22
